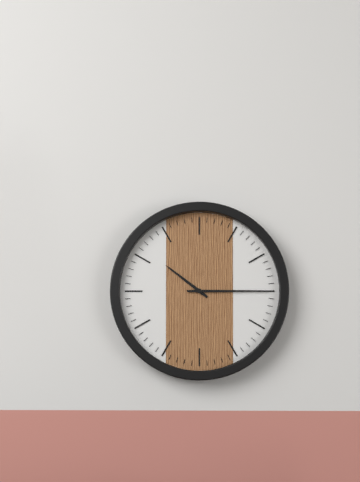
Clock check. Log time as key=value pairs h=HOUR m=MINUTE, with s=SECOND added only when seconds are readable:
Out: h=10 m=15
